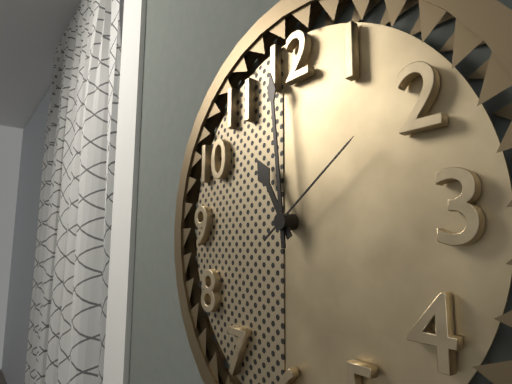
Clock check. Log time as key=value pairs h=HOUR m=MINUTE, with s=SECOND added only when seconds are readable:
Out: h=10 m=59 s=9
